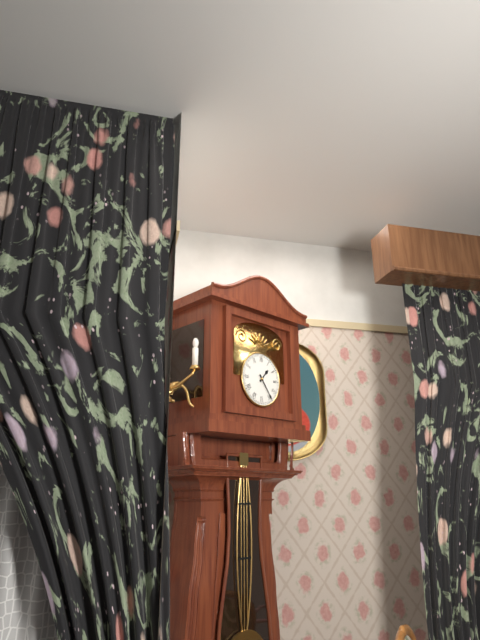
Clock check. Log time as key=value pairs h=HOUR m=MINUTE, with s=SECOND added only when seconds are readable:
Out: h=1 m=24
